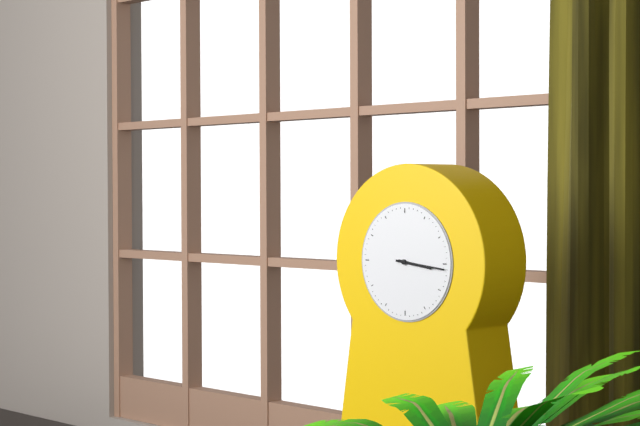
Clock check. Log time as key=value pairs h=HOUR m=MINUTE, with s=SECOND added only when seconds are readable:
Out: h=3 m=16
